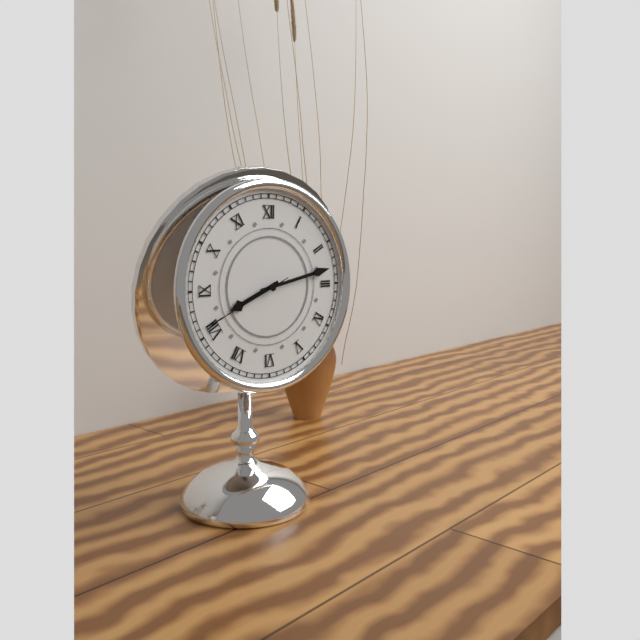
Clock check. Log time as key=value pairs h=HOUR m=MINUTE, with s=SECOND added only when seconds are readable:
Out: h=8 m=13 s=41
